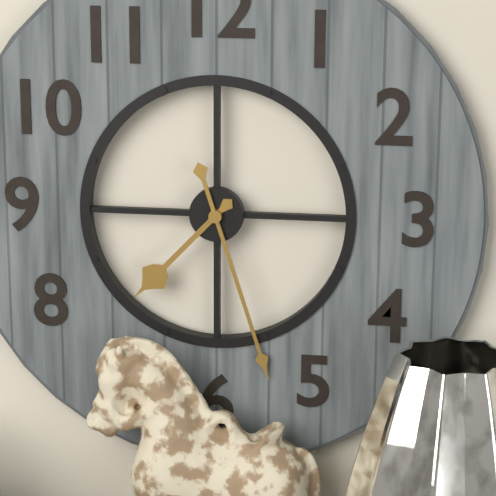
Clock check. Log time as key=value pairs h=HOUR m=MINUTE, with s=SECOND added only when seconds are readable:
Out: h=7 m=27
